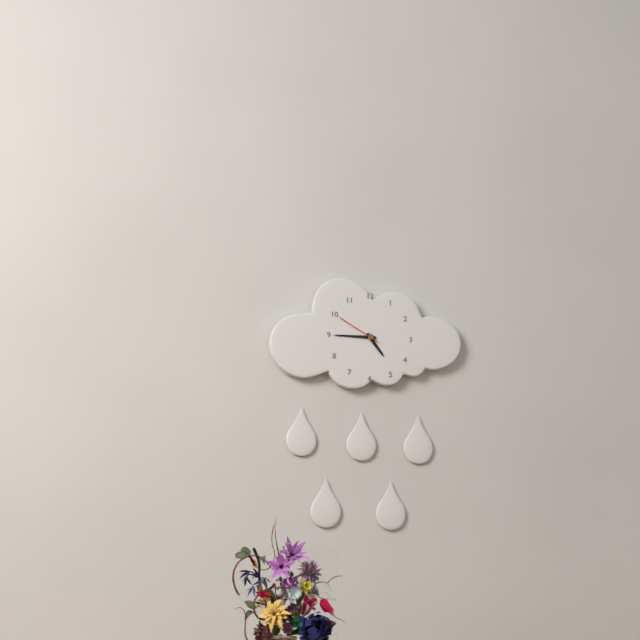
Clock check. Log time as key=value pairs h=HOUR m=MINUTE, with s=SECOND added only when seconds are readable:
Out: h=4 m=45
